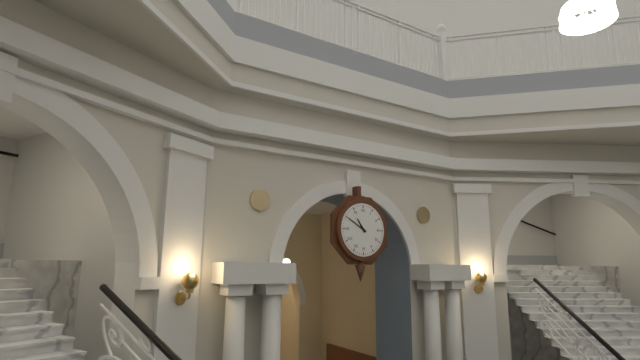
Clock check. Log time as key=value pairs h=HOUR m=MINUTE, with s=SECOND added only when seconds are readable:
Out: h=10 m=50
